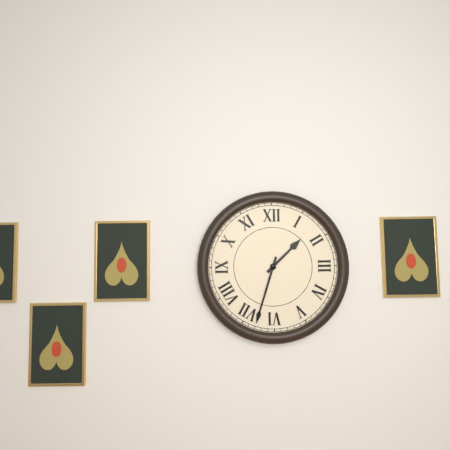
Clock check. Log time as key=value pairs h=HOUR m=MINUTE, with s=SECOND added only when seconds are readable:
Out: h=1 m=33
